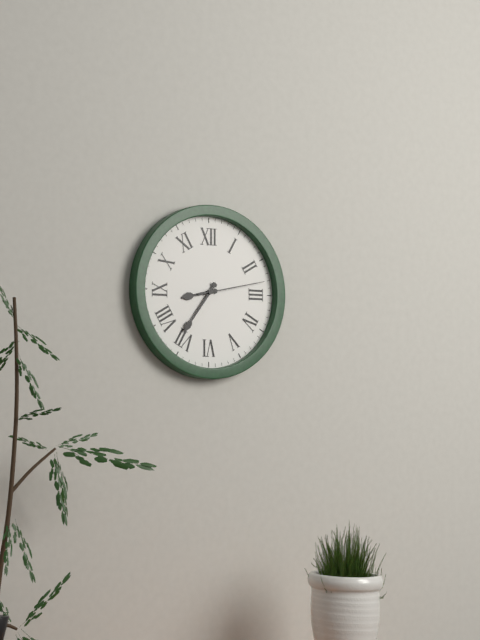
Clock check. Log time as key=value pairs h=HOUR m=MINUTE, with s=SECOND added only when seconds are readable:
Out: h=8 m=36 s=13
